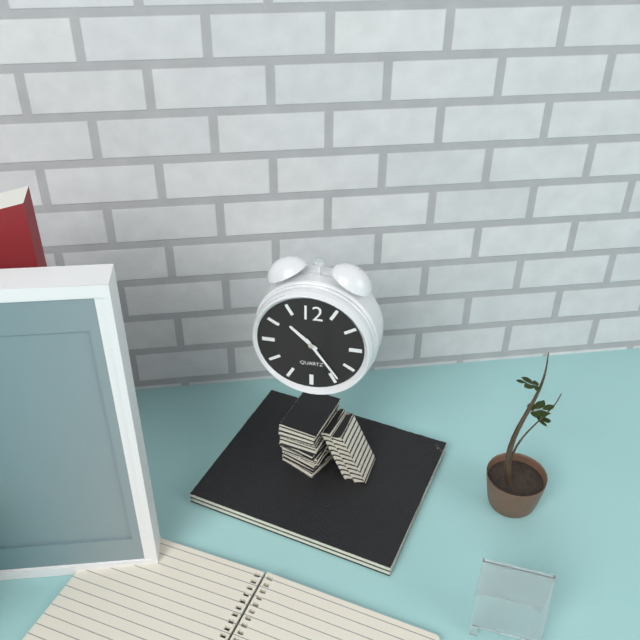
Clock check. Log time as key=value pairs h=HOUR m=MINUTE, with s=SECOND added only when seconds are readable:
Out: h=10 m=24
